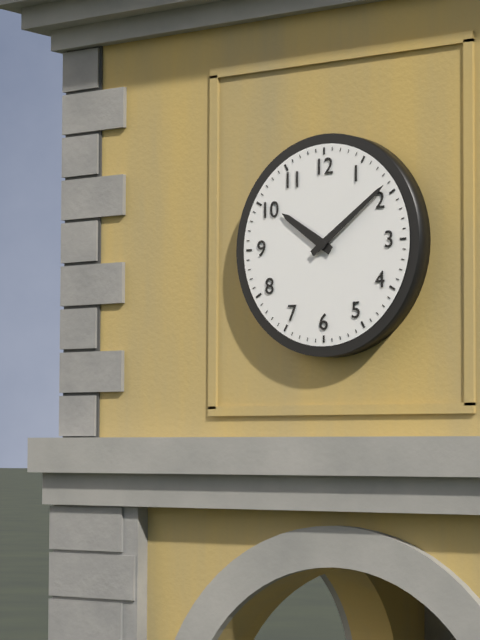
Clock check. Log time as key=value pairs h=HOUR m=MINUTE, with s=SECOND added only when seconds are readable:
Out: h=10 m=9
